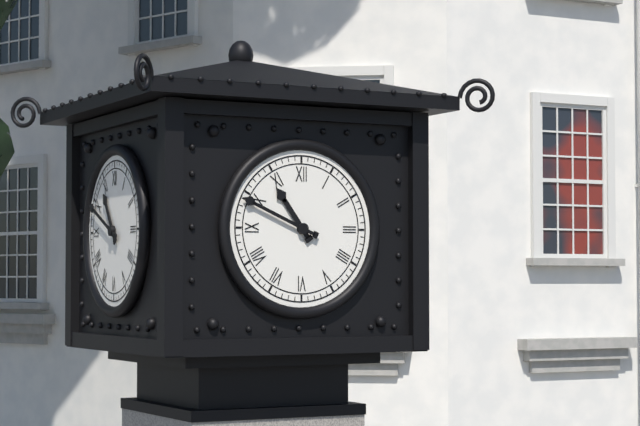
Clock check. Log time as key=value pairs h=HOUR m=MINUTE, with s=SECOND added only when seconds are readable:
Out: h=10 m=49
